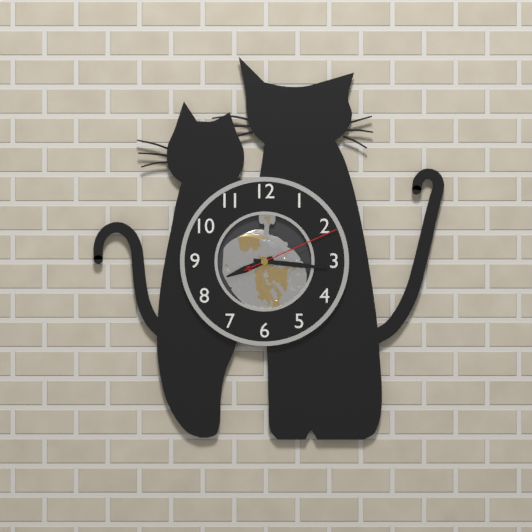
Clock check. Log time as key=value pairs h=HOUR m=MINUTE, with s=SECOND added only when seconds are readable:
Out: h=8 m=16 s=11
